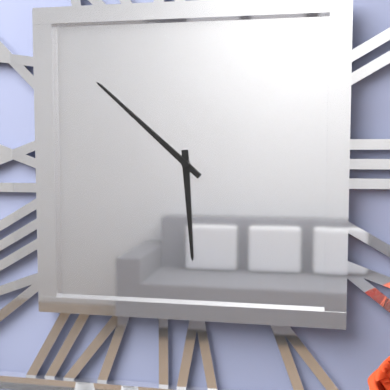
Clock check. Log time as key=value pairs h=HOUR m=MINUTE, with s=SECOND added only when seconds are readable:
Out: h=5 m=52
